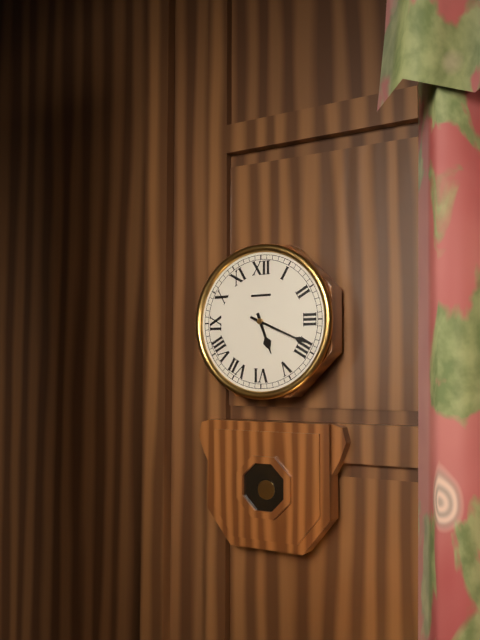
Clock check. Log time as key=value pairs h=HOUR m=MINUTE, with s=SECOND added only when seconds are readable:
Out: h=5 m=19
